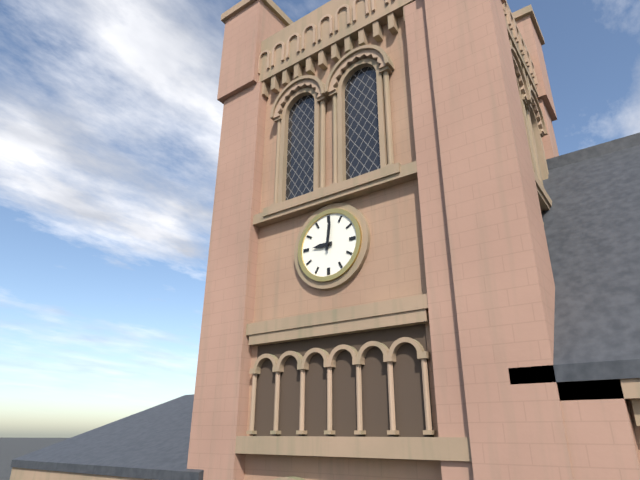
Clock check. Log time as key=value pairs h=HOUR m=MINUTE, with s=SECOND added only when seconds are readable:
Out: h=9 m=1
